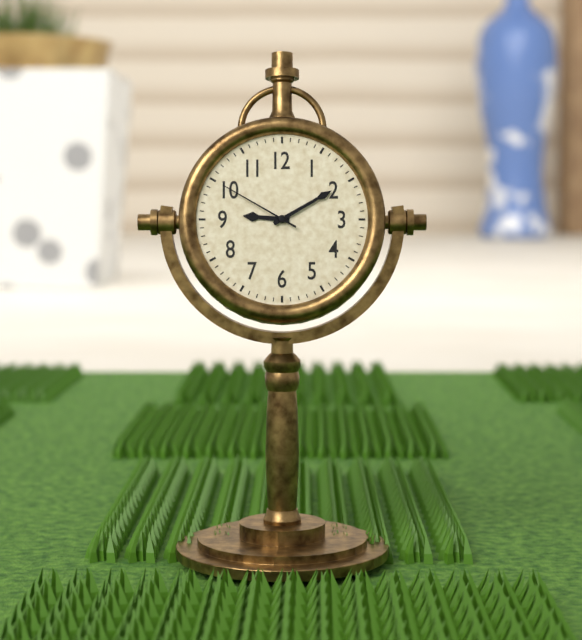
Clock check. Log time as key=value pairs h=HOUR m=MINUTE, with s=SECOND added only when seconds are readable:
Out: h=9 m=10 s=50
